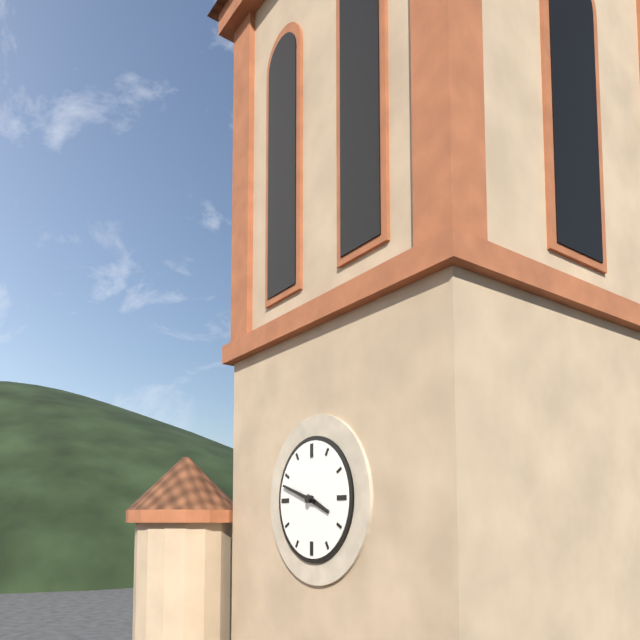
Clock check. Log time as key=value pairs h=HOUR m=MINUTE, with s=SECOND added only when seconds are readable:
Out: h=3 m=48
